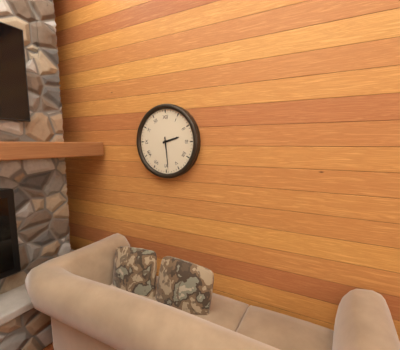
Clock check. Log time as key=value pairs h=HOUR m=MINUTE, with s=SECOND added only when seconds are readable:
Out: h=2 m=29
